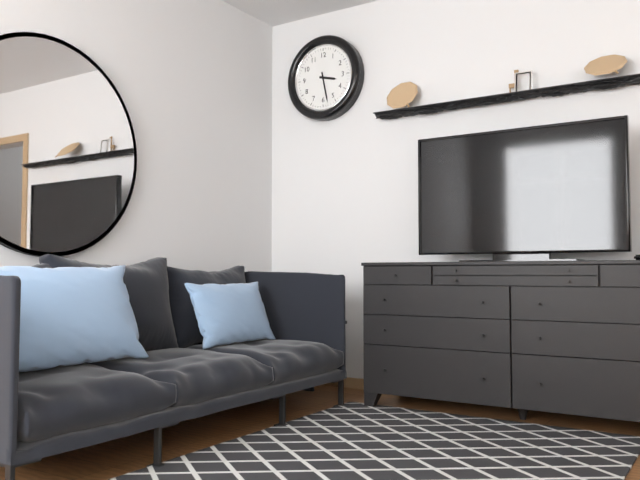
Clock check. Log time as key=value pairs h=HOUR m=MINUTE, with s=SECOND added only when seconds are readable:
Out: h=3 m=28
